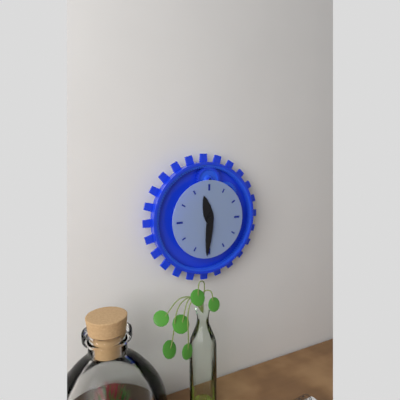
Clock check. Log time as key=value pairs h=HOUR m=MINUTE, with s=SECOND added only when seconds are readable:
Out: h=11 m=31
